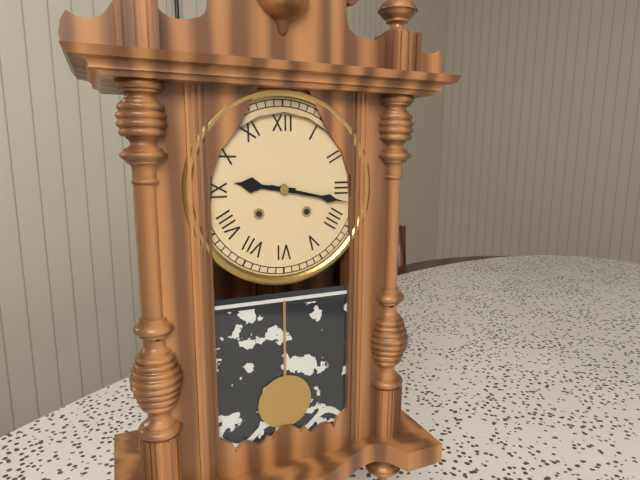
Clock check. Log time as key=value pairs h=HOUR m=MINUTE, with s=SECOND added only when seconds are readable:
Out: h=9 m=17
